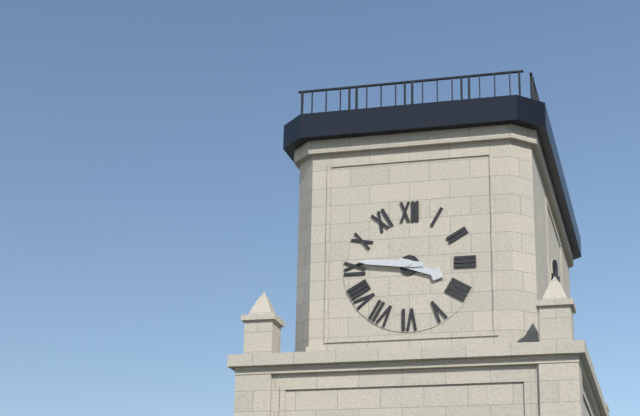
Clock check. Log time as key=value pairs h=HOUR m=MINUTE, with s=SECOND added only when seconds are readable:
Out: h=3 m=46
